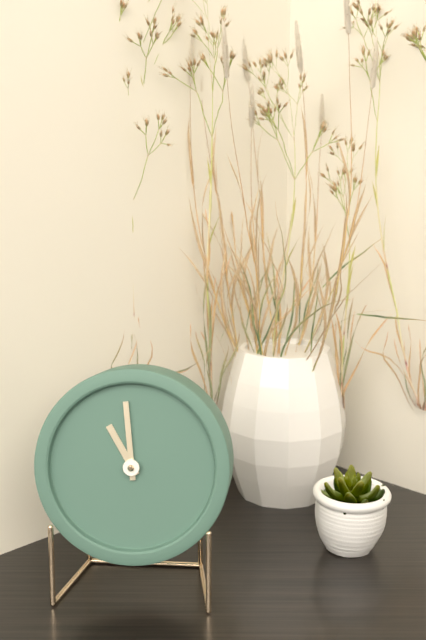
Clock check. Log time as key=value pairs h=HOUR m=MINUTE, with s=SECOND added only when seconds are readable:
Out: h=10 m=59
